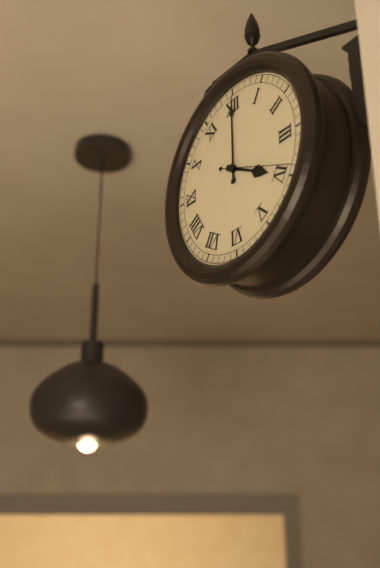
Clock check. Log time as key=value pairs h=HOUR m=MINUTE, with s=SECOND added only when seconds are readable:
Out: h=4 m=0 s=19
